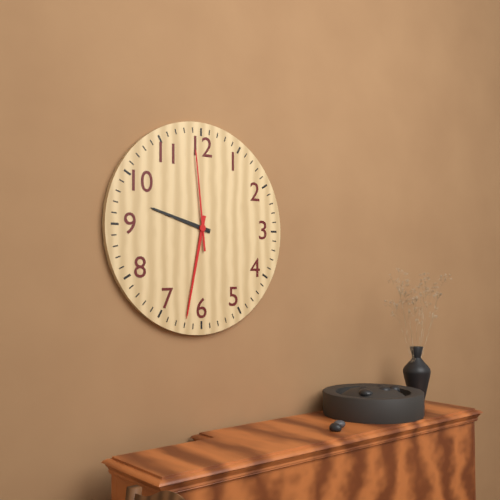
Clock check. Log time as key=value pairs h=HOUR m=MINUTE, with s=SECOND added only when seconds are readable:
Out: h=9 m=32 s=59
